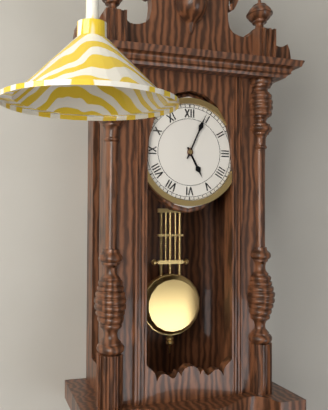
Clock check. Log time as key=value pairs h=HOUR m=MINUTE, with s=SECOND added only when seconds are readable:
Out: h=5 m=4
